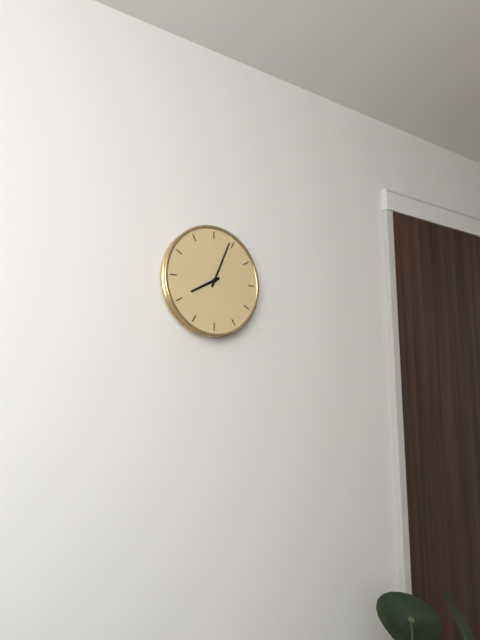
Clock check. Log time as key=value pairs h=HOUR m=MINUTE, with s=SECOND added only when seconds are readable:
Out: h=8 m=4
